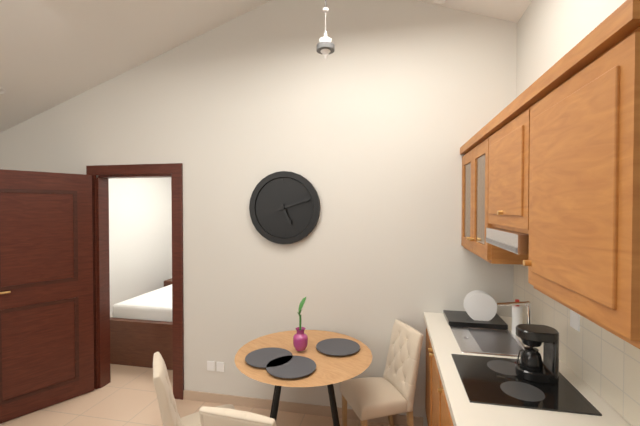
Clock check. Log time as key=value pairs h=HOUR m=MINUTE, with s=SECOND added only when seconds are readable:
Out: h=5 m=12
